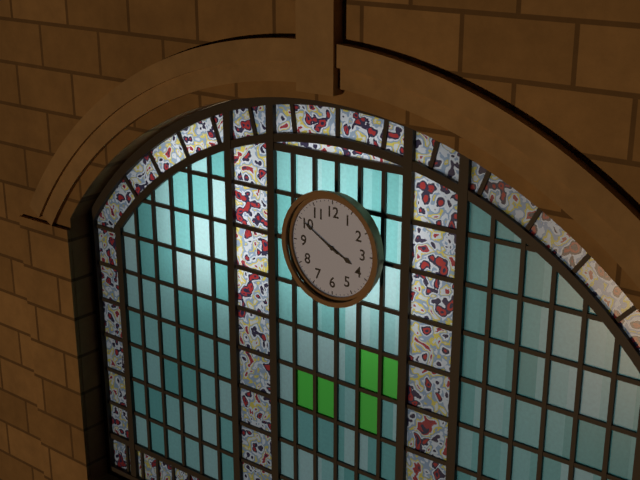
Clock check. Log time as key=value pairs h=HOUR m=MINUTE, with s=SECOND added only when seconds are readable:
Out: h=3 m=50
